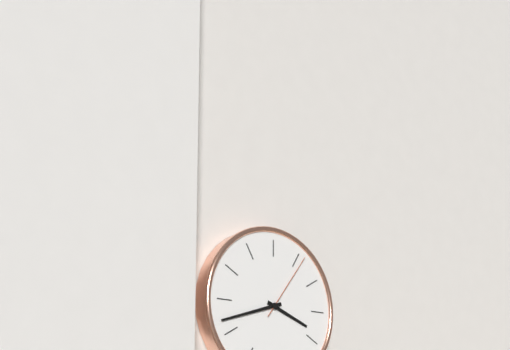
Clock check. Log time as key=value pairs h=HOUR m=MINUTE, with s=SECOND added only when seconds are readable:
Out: h=3 m=42 s=6
